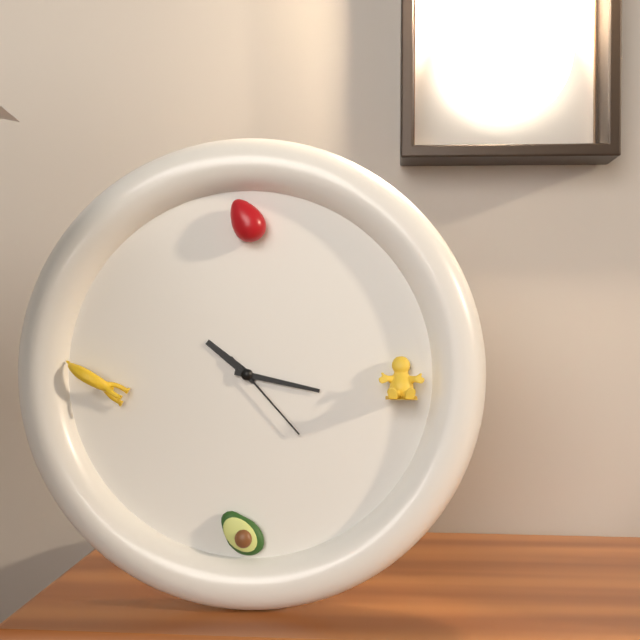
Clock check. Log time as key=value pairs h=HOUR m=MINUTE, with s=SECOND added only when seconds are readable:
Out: h=10 m=17 s=23
